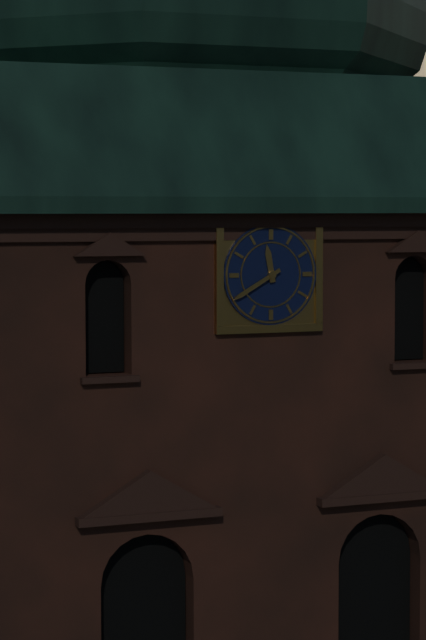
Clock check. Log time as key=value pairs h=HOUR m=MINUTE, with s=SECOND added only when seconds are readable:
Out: h=11 m=40
